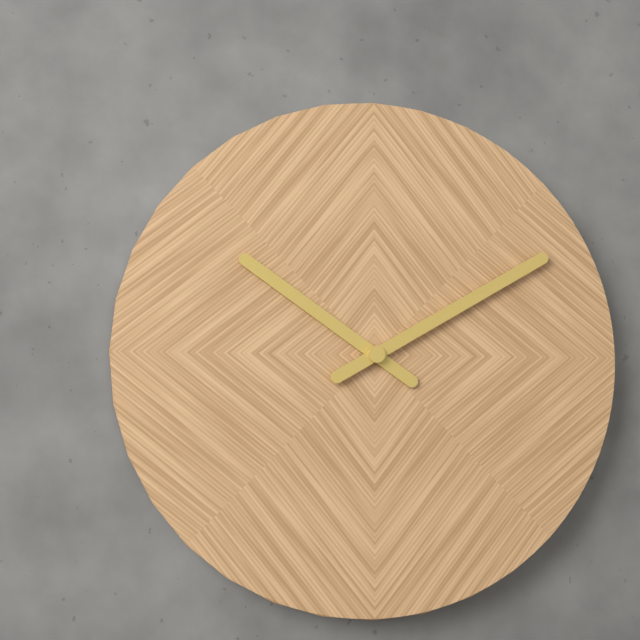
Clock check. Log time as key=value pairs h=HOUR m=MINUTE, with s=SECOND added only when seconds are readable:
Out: h=10 m=10
